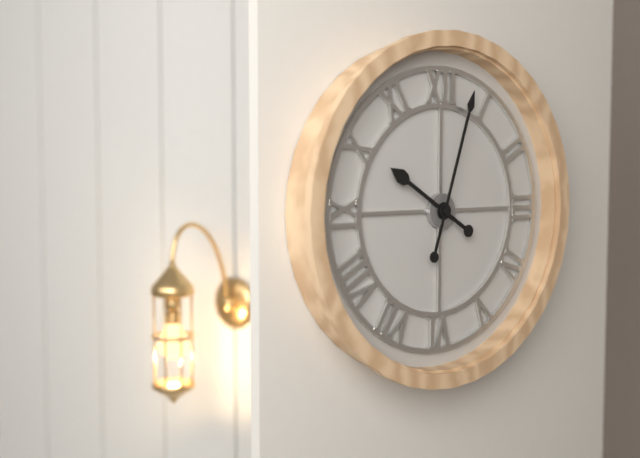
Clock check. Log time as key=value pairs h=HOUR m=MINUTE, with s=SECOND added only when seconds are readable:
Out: h=10 m=3
